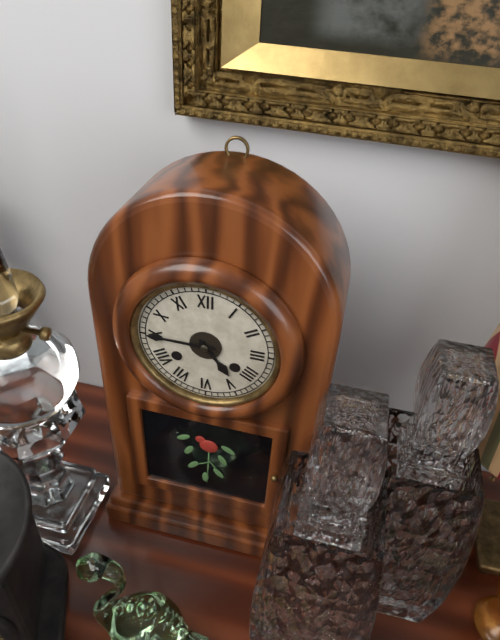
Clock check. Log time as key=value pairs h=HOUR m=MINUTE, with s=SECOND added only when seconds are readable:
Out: h=4 m=45
